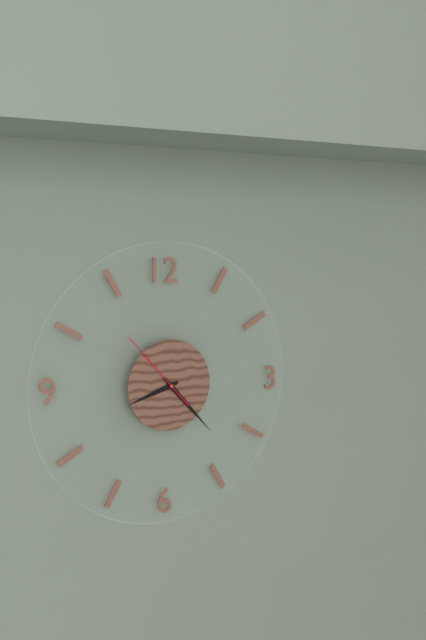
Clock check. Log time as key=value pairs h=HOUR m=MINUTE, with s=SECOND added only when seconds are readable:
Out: h=8 m=23 s=53
